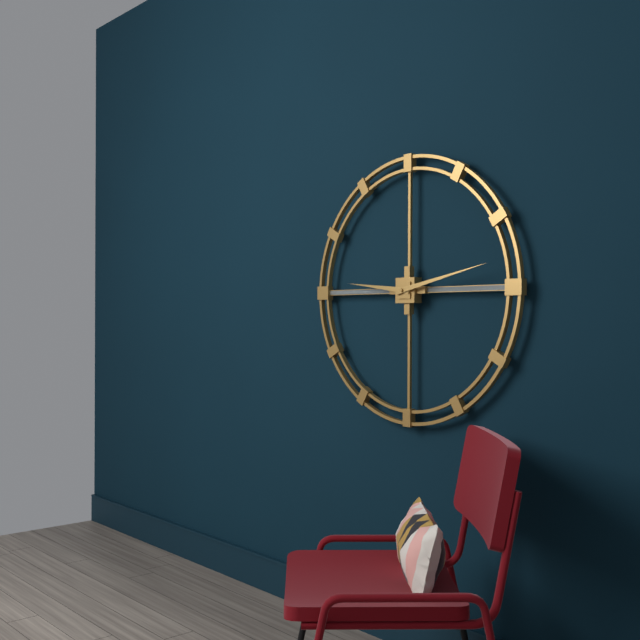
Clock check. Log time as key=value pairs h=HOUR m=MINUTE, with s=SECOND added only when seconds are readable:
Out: h=9 m=13
